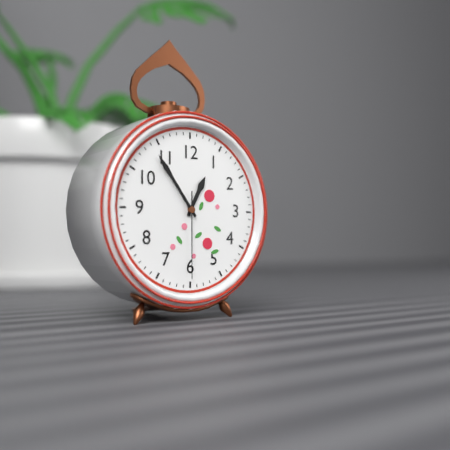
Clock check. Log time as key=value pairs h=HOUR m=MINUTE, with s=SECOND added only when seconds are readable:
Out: h=12 m=54 s=30
